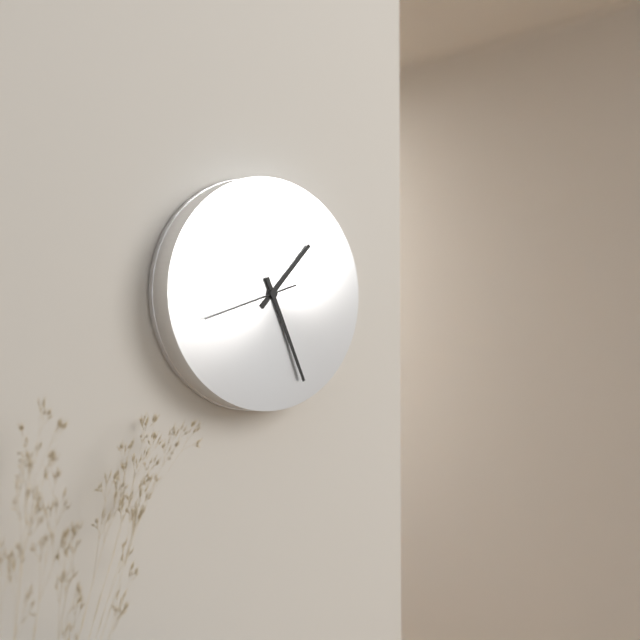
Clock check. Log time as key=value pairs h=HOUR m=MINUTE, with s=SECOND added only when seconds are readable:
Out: h=1 m=26 s=42
